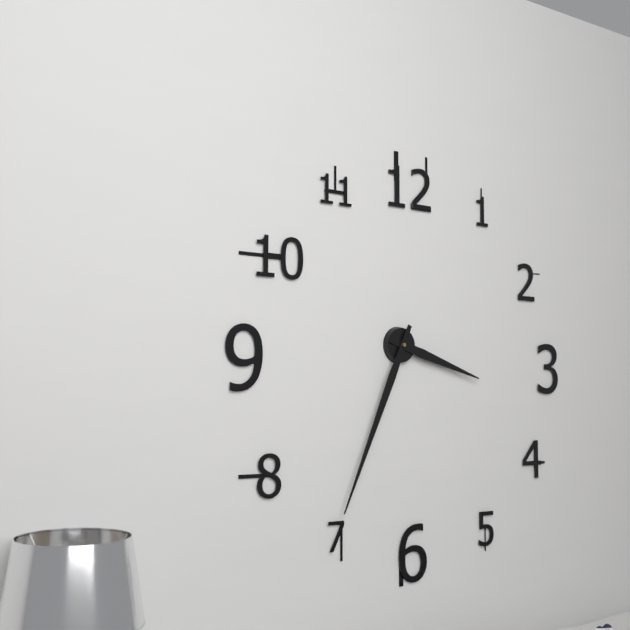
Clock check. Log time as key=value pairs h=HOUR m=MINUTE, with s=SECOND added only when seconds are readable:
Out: h=3 m=34
